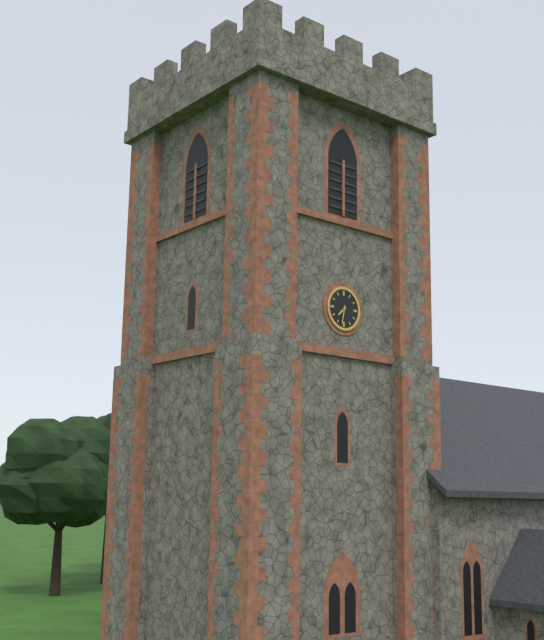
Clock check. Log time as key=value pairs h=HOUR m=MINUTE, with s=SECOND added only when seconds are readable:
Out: h=7 m=32
